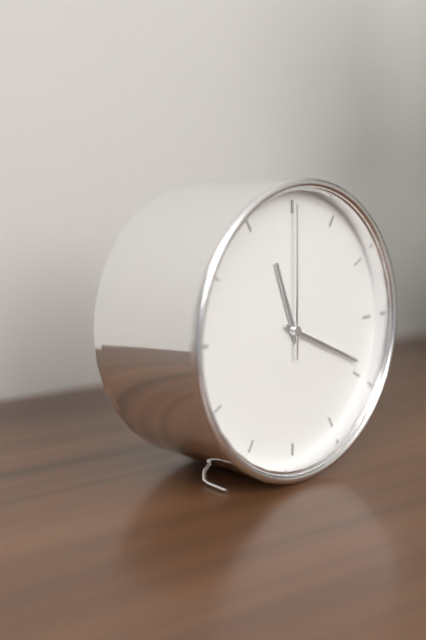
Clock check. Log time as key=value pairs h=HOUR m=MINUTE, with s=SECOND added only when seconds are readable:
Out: h=11 m=19 s=0
